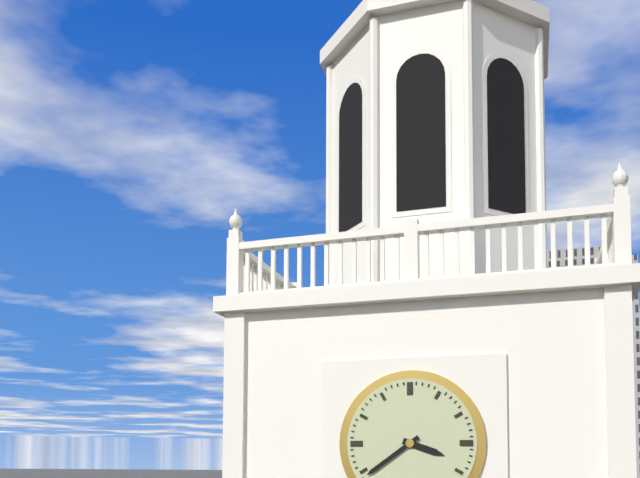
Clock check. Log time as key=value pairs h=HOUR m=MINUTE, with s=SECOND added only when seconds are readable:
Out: h=3 m=39
